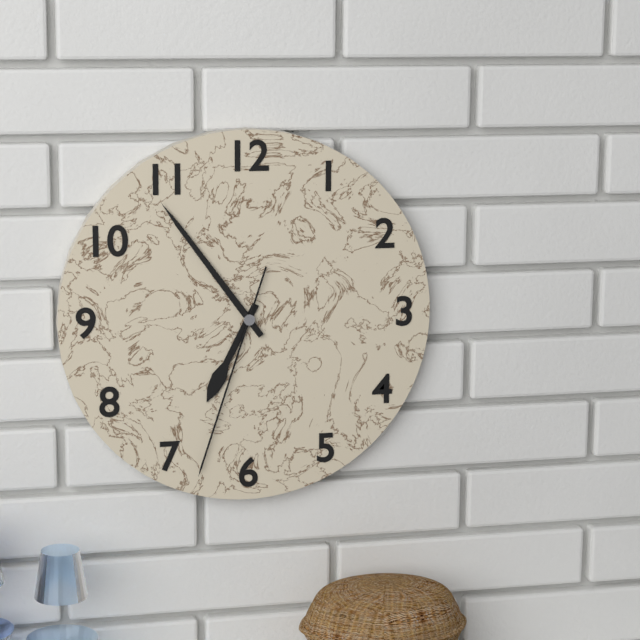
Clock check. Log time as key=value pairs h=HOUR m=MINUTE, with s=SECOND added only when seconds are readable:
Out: h=6 m=54 s=33
